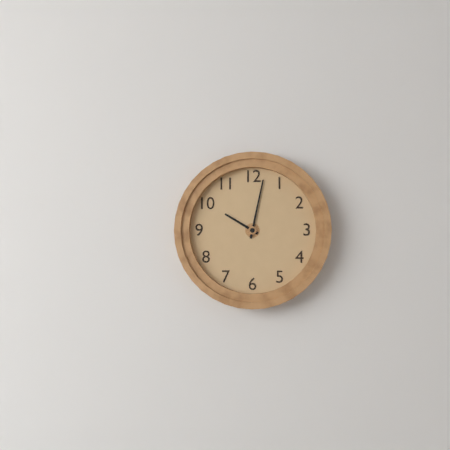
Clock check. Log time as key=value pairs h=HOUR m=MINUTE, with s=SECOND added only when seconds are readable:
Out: h=10 m=2
